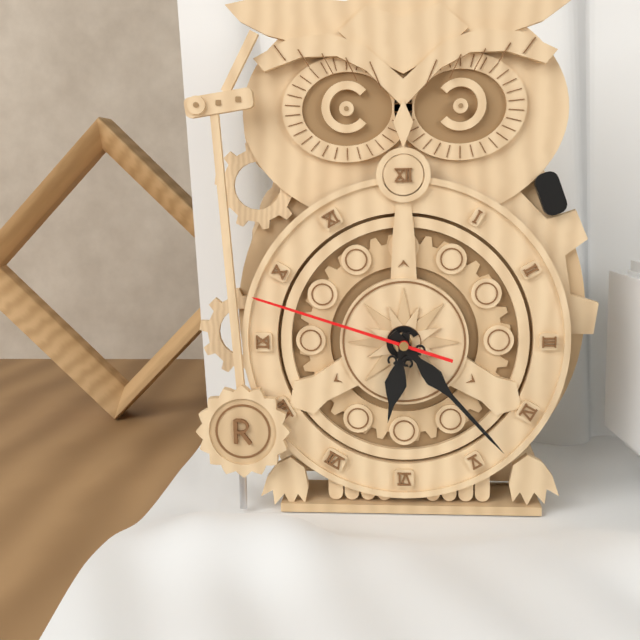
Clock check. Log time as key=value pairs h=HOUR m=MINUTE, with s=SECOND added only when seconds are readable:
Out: h=6 m=23 s=48
